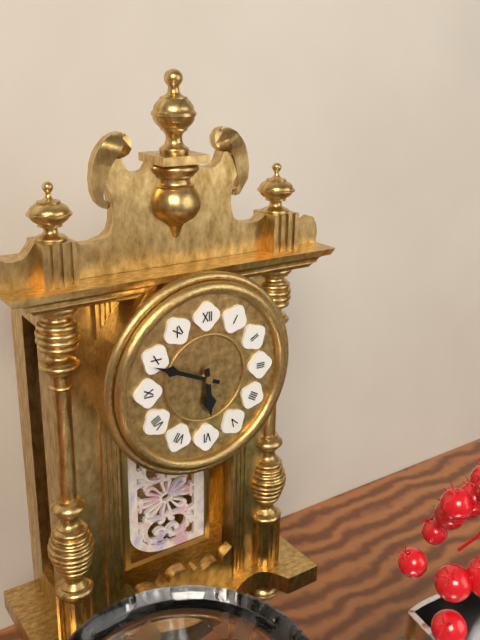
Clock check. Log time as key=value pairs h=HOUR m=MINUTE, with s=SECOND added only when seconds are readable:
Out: h=5 m=49
